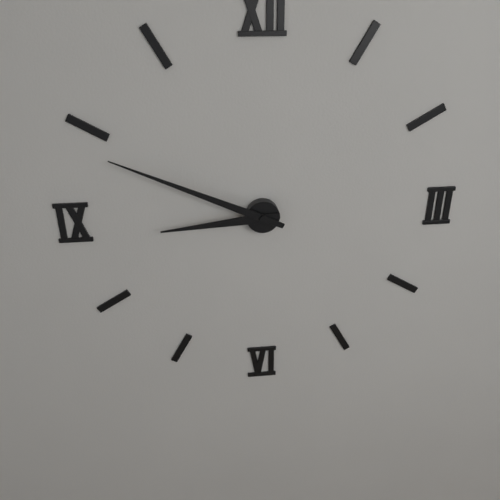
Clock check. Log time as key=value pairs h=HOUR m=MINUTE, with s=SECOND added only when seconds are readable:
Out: h=8 m=49
